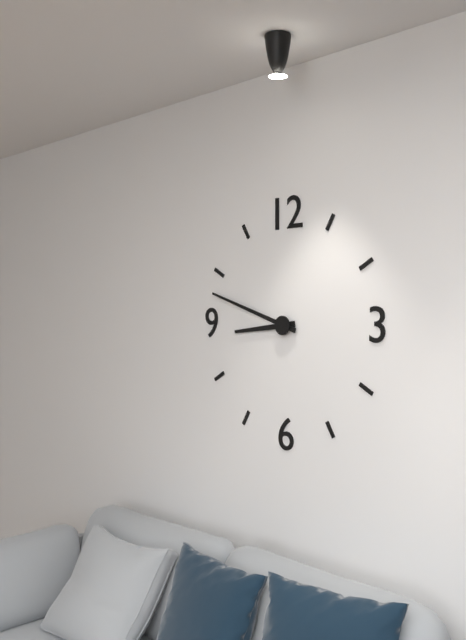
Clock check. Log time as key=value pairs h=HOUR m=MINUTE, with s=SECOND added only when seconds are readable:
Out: h=8 m=48
